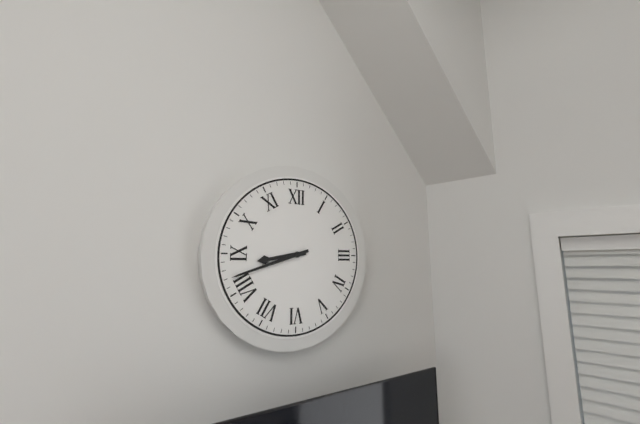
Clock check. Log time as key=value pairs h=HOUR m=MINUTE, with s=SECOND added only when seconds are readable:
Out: h=8 m=42
